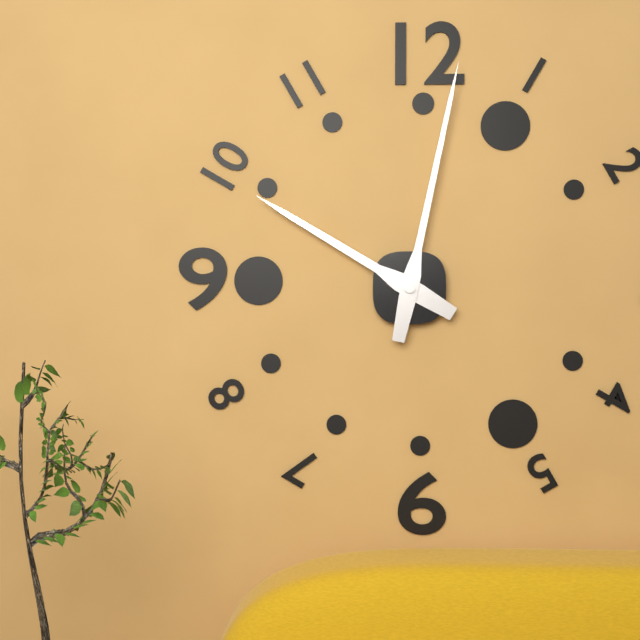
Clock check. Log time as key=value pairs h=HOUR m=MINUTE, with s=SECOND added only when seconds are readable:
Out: h=10 m=2
